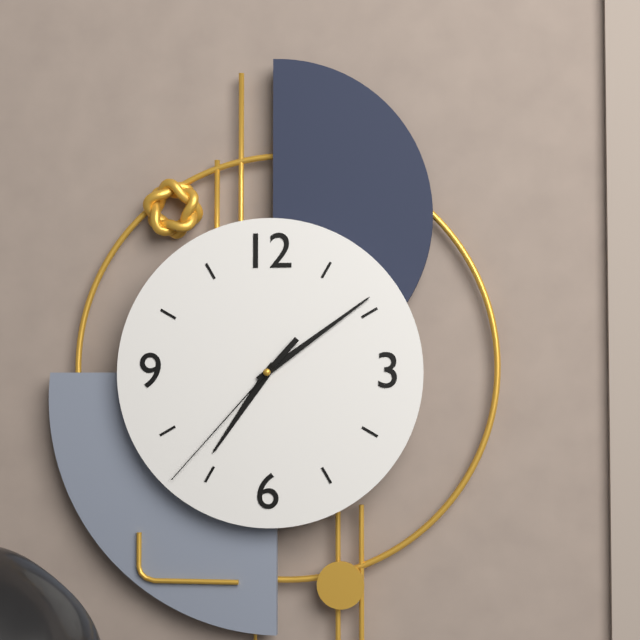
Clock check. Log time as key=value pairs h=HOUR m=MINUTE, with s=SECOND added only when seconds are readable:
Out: h=7 m=9 s=37
